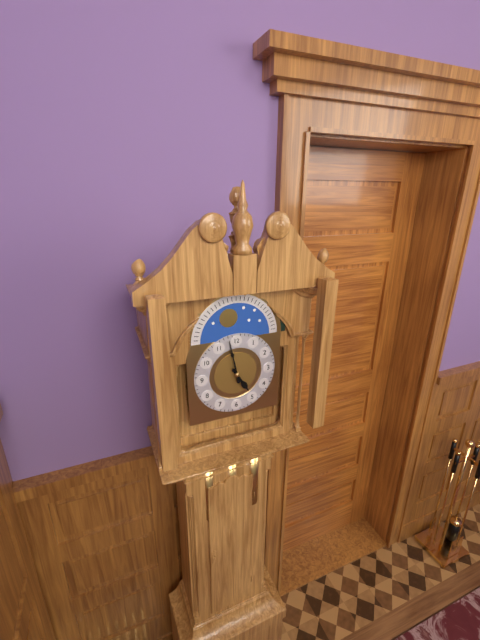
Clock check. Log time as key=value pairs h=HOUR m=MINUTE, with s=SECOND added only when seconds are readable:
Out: h=4 m=58
